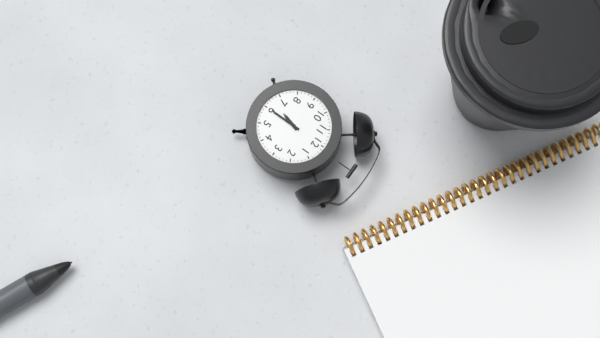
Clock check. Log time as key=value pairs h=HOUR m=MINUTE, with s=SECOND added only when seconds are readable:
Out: h=6 m=30
